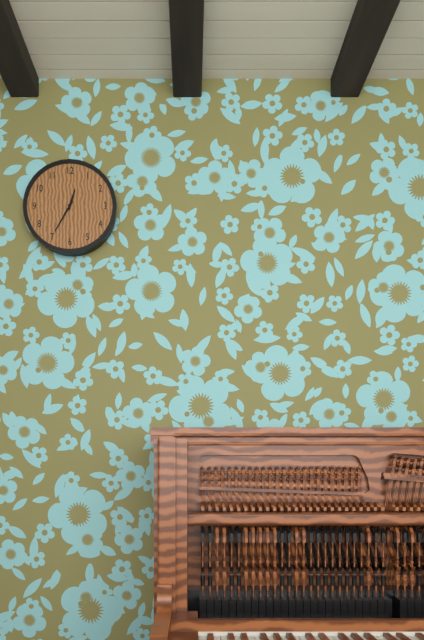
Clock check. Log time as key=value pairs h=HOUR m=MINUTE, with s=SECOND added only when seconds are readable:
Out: h=12 m=35
